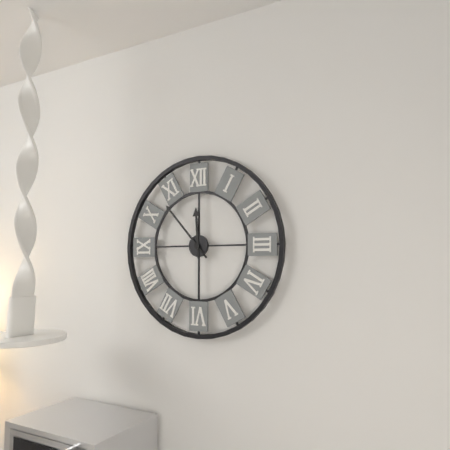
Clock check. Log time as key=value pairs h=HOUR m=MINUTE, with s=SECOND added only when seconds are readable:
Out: h=11 m=53
